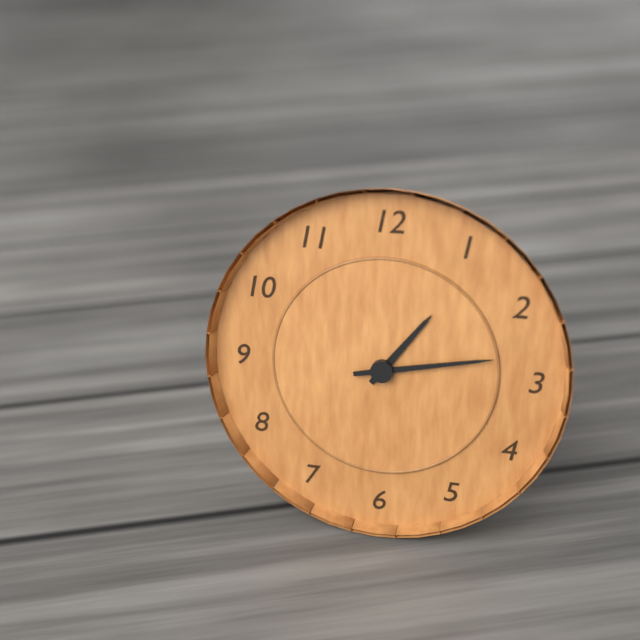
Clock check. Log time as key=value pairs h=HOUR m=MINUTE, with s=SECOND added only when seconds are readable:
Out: h=1 m=13
